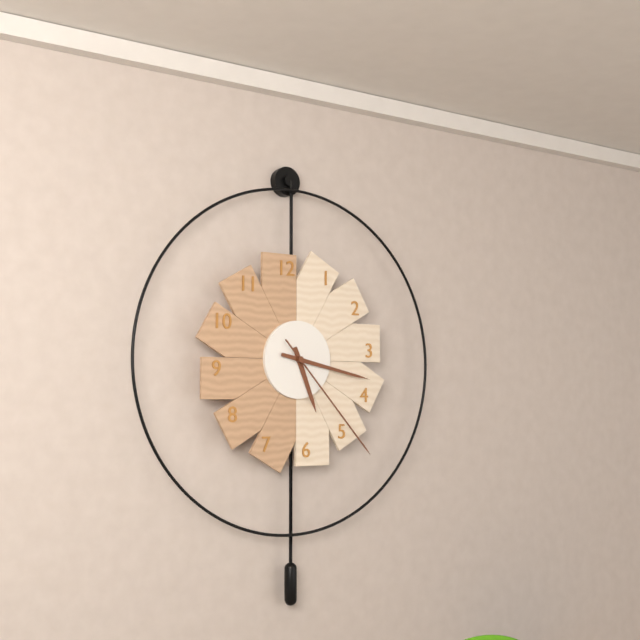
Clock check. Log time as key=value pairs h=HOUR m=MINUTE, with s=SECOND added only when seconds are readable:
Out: h=5 m=17 s=23
